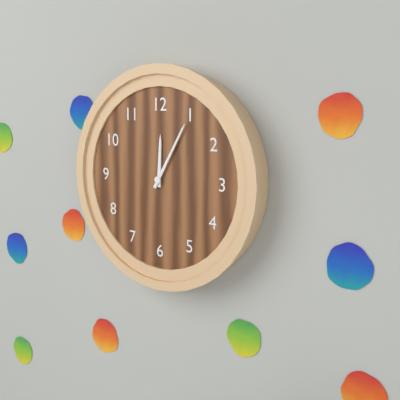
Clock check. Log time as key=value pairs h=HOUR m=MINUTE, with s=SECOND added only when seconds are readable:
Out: h=12 m=5
